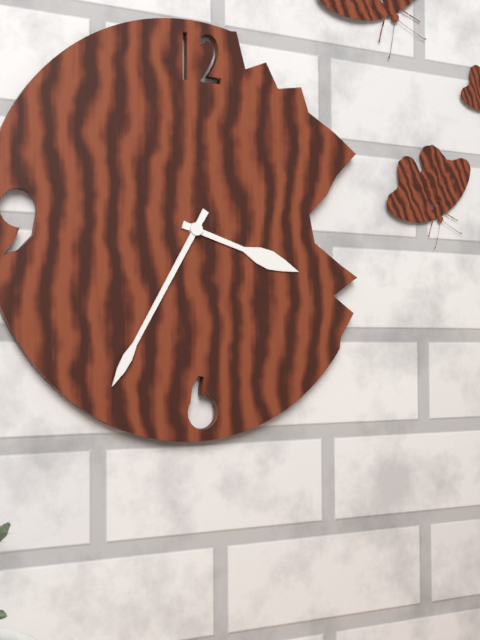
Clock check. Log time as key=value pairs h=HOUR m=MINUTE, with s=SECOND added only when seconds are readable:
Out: h=3 m=35
